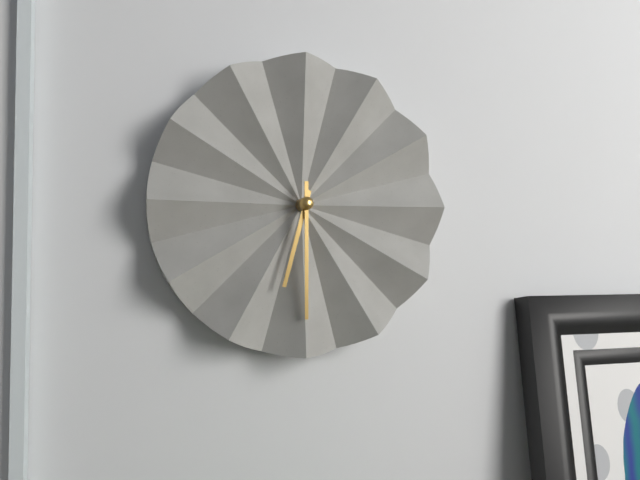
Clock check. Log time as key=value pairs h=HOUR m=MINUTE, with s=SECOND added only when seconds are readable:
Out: h=6 m=30
